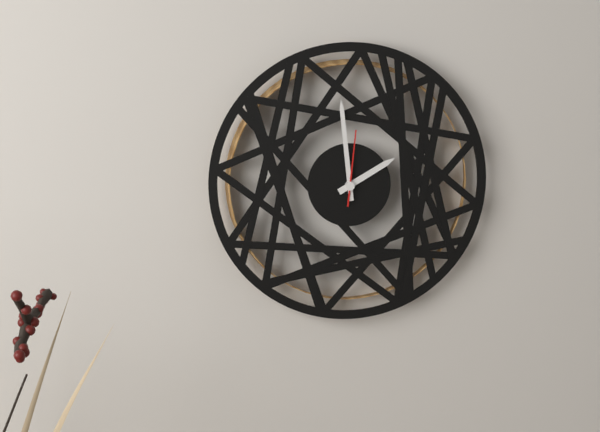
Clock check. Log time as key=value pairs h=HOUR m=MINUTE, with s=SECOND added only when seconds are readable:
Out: h=1 m=59 s=1
